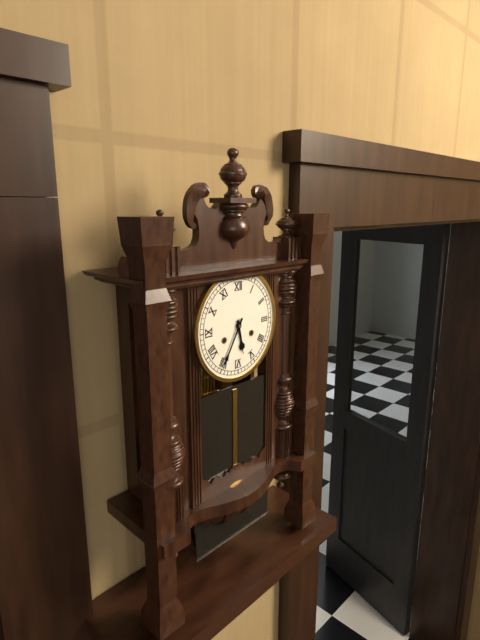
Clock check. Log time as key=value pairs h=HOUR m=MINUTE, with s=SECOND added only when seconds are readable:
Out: h=5 m=35
